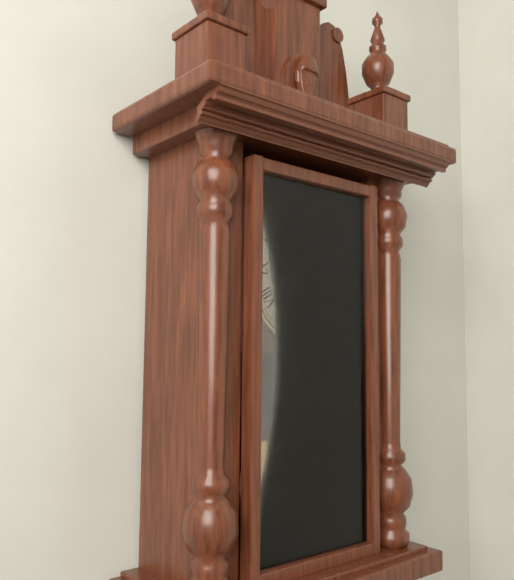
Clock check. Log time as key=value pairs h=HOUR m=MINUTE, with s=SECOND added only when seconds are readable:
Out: h=12 m=25
